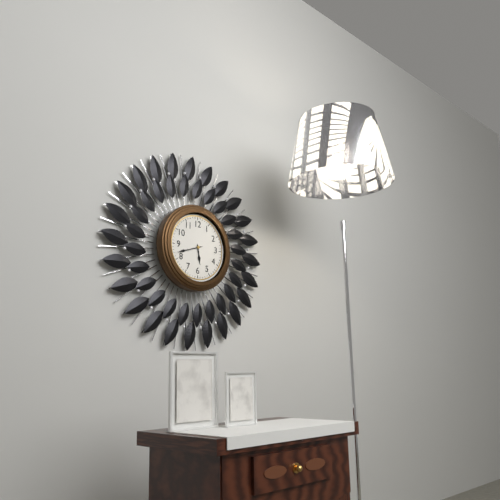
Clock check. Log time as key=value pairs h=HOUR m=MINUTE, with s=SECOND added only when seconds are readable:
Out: h=5 m=42
